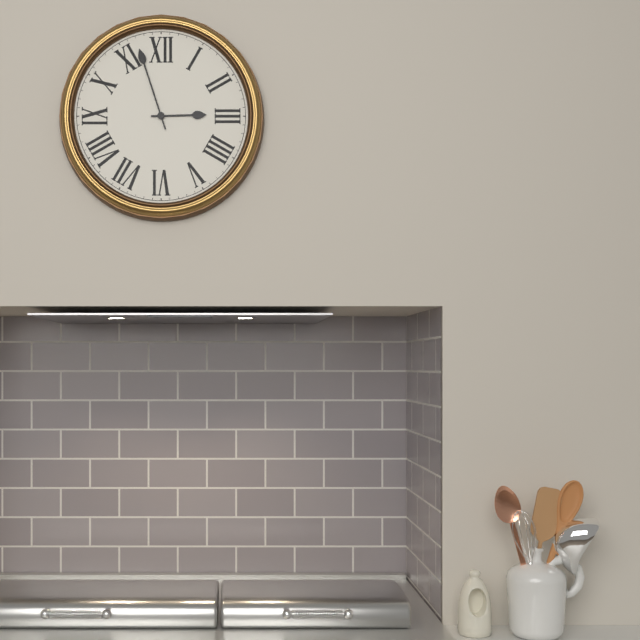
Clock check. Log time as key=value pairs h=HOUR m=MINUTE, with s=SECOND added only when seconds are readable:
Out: h=2 m=57
